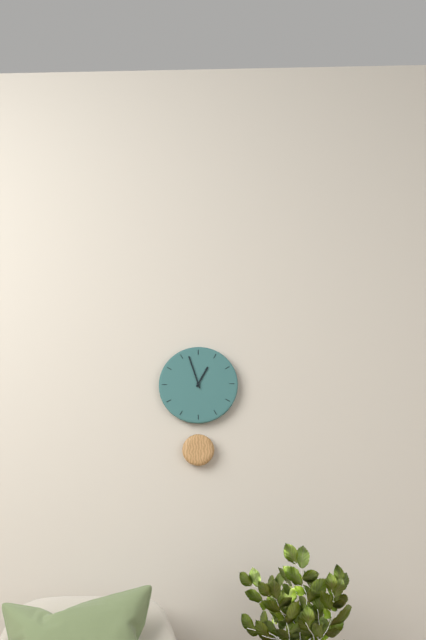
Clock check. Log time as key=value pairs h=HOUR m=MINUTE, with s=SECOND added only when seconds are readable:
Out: h=12 m=57
